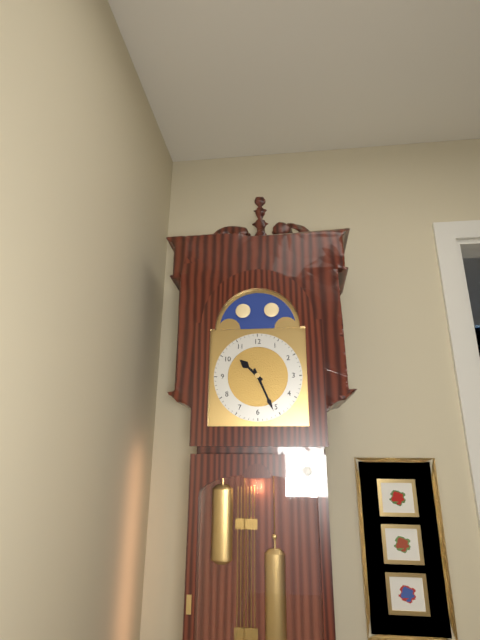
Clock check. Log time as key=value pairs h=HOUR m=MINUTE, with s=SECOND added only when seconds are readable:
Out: h=10 m=26
